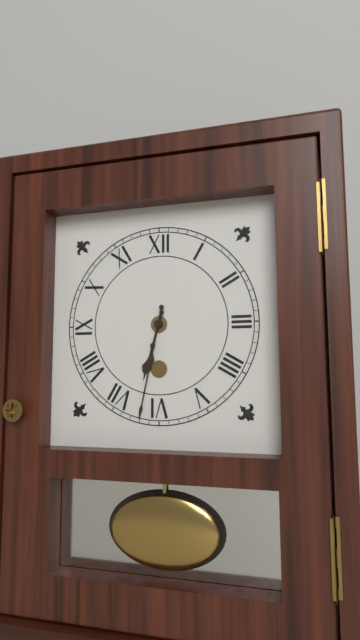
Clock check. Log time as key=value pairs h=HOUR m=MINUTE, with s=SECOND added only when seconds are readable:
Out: h=6 m=32
